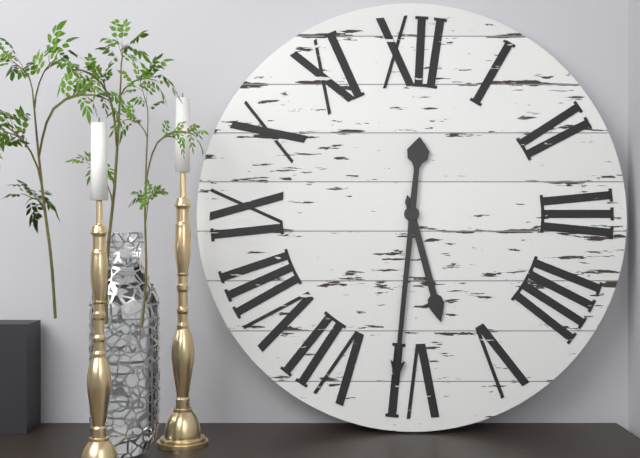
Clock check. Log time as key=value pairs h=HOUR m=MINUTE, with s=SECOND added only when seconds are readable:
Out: h=5 m=31
